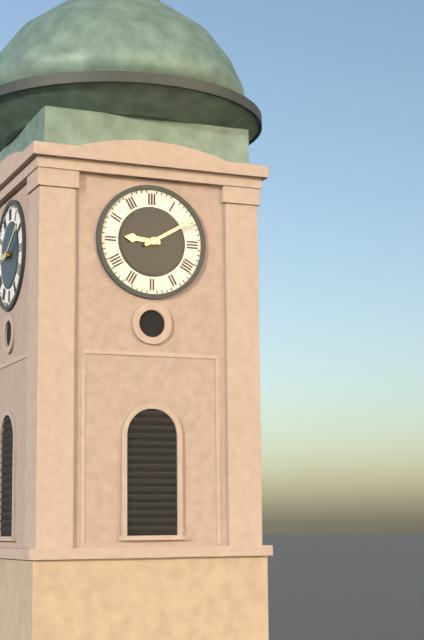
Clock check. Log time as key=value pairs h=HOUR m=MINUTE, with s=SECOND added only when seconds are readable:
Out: h=9 m=10
